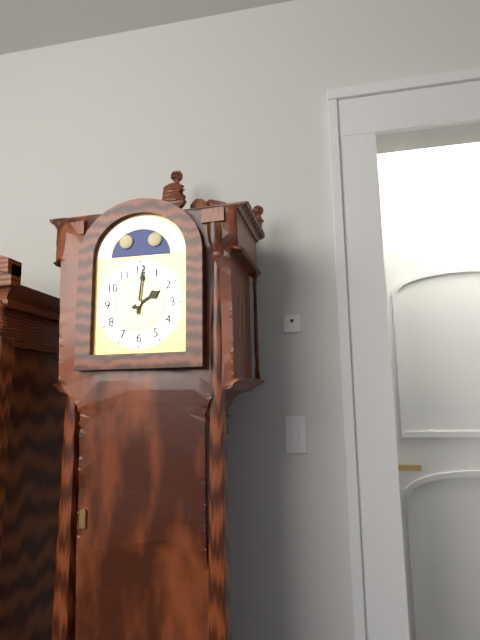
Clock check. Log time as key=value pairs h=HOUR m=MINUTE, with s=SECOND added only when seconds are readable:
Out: h=2 m=1
